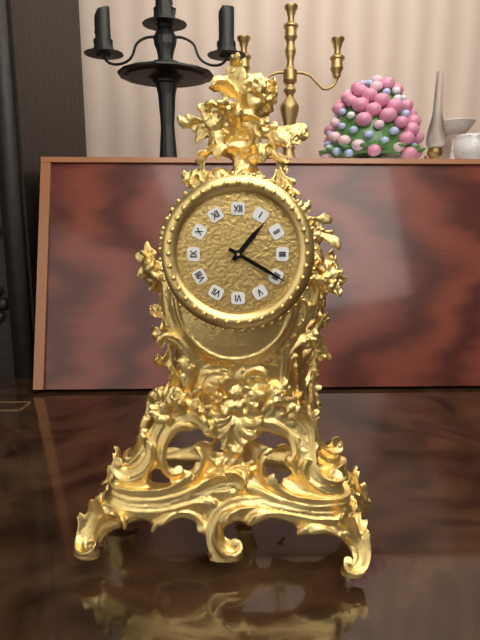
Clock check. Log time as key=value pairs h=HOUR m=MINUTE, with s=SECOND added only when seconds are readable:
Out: h=1 m=20
